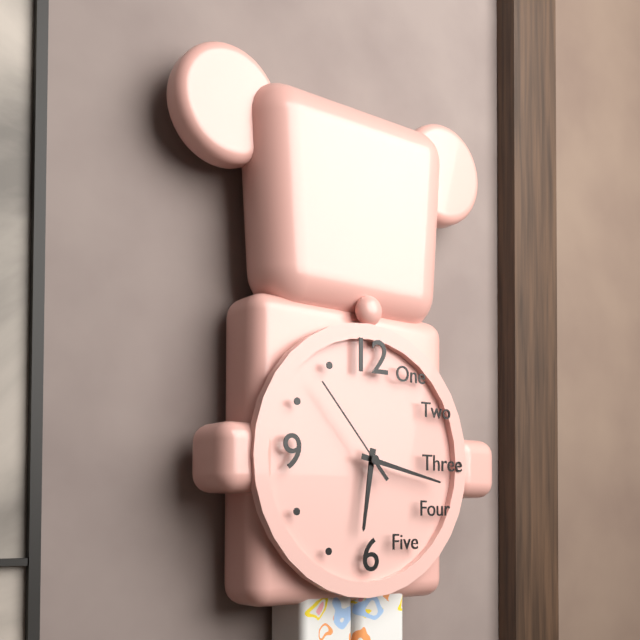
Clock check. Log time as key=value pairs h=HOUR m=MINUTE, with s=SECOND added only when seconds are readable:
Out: h=6 m=17 s=53
